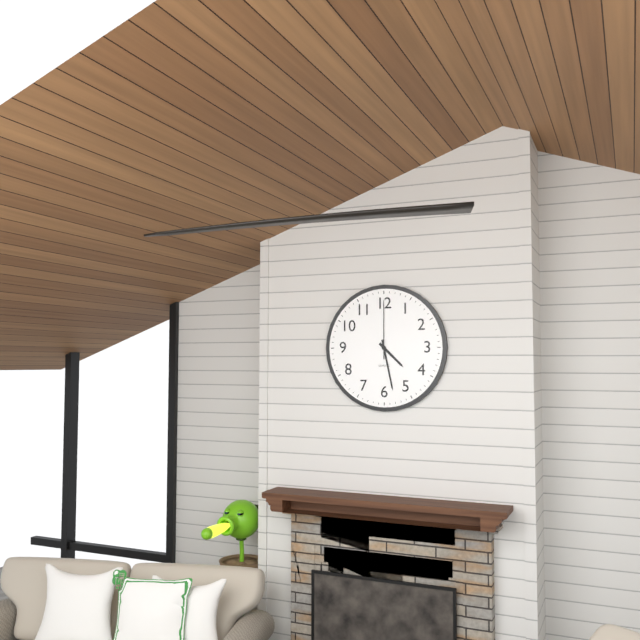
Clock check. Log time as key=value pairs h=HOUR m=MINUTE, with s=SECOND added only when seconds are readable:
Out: h=4 m=28 s=0
